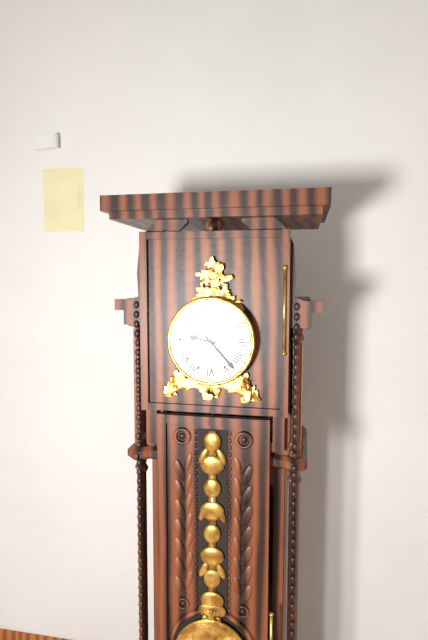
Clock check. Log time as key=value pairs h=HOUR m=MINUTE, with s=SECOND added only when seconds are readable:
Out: h=9 m=23
